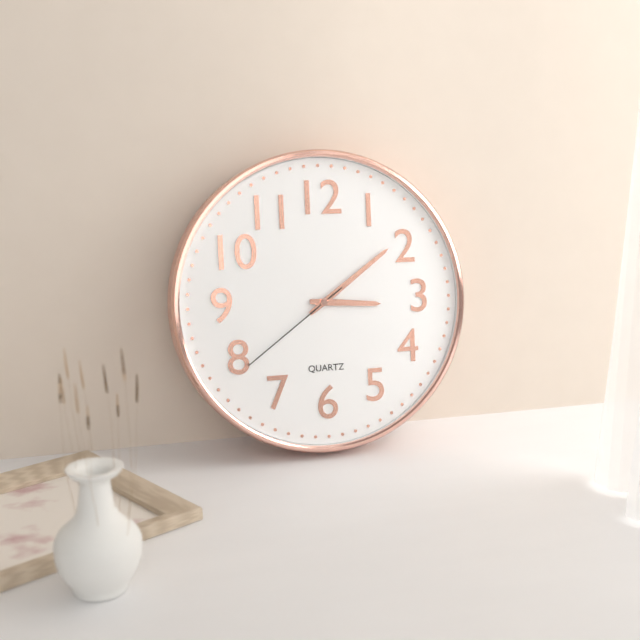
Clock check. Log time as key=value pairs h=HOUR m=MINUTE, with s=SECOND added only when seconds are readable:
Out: h=3 m=9 s=39
